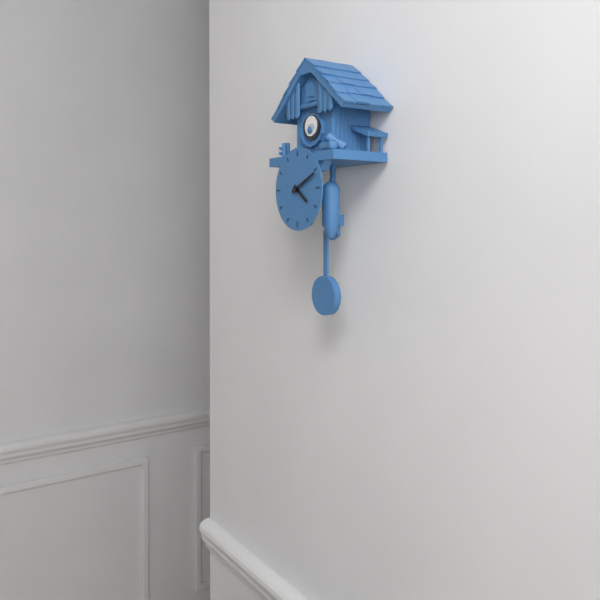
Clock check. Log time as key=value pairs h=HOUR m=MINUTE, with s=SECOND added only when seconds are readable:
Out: h=4 m=11
